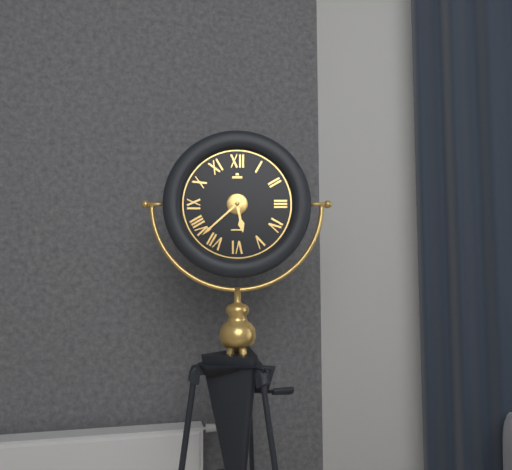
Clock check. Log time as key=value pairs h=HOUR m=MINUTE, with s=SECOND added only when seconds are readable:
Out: h=5 m=38
